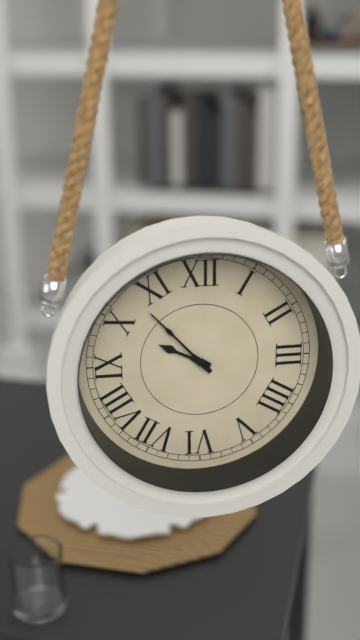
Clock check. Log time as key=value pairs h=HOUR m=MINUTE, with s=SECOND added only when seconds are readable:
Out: h=9 m=53
